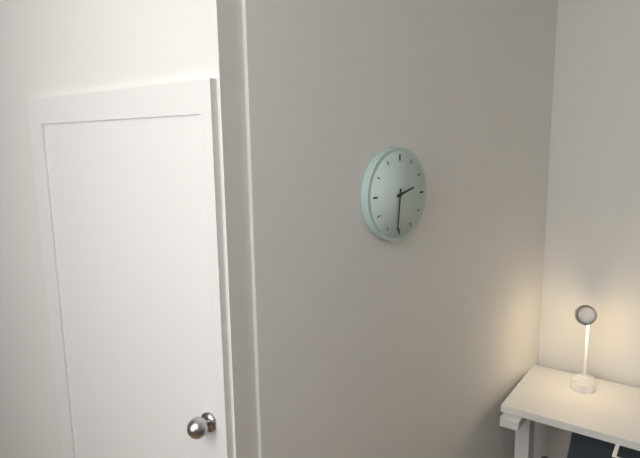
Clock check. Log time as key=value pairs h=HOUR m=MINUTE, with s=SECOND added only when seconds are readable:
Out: h=2 m=31
